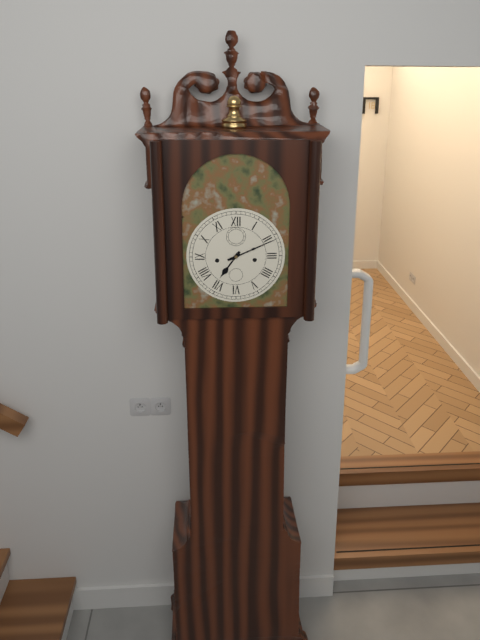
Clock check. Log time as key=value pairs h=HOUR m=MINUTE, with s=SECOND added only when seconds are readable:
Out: h=7 m=11
